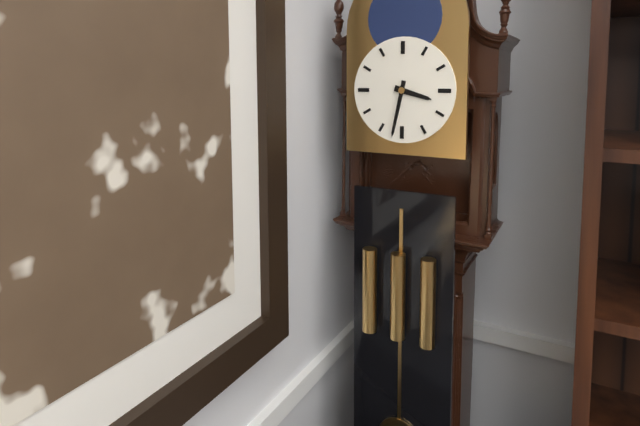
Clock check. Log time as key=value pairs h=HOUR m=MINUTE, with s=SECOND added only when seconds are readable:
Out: h=3 m=32
